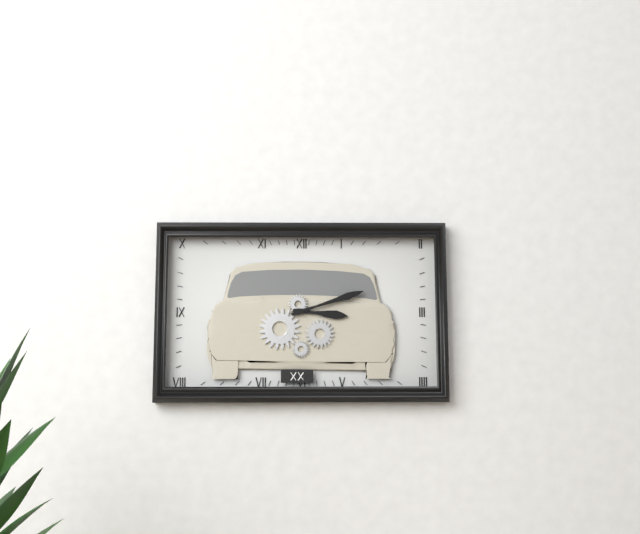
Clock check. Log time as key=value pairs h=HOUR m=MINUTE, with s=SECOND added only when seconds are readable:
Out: h=3 m=12
